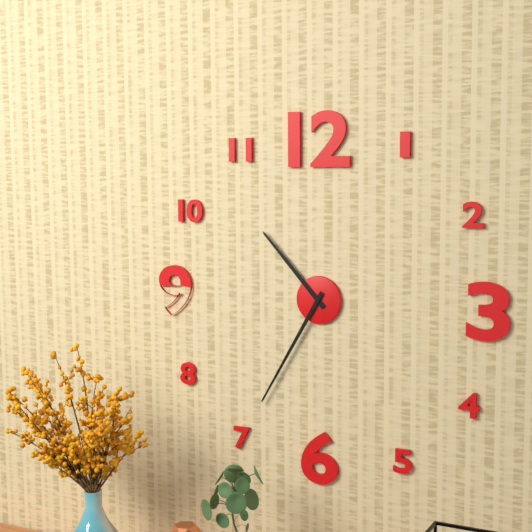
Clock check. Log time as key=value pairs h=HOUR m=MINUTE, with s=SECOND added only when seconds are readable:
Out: h=10 m=35
